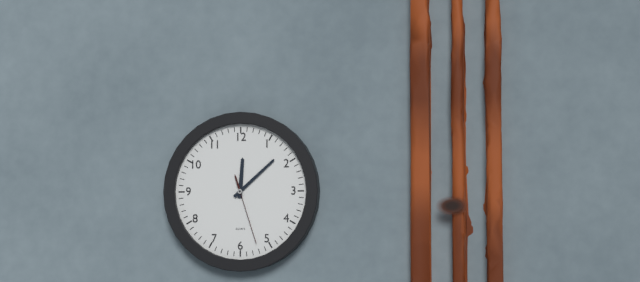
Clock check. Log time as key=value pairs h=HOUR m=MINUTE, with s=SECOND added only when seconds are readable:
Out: h=12 m=8 s=27
